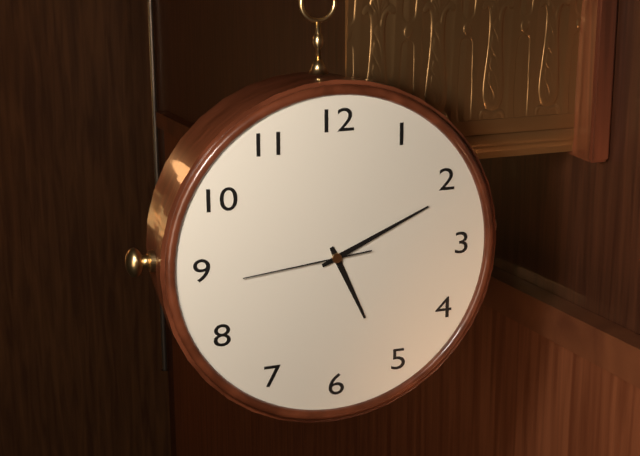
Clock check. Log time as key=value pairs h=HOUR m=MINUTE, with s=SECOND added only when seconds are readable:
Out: h=5 m=11 s=44
